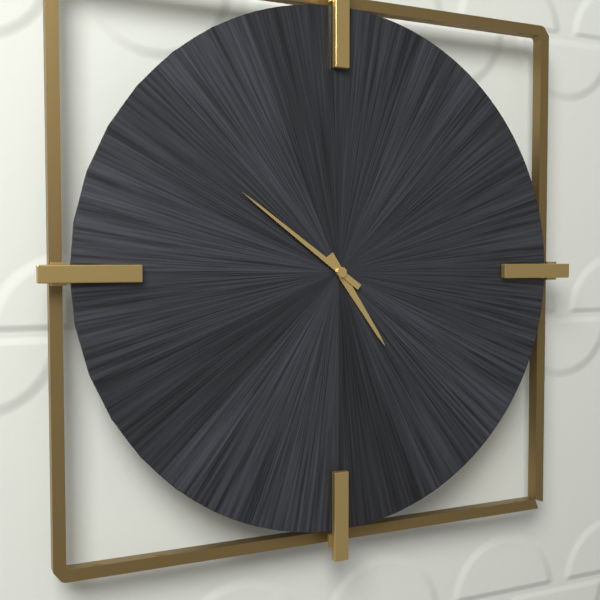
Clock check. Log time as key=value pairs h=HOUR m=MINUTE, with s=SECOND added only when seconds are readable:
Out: h=4 m=51
